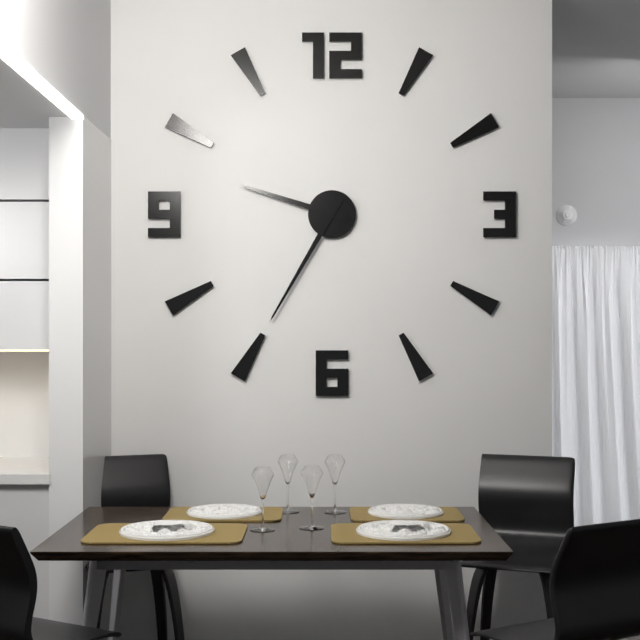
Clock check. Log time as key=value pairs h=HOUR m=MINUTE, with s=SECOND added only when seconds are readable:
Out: h=9 m=35
